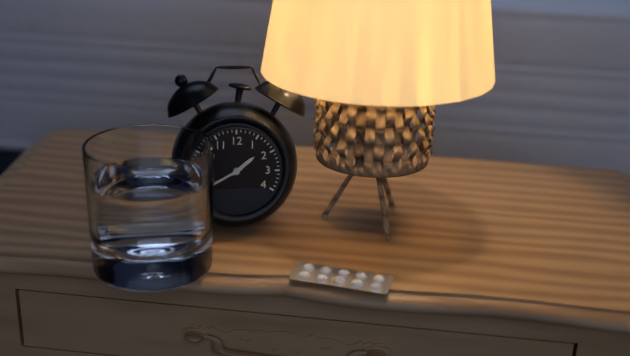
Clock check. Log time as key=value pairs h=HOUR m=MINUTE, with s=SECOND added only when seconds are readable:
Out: h=1 m=40
